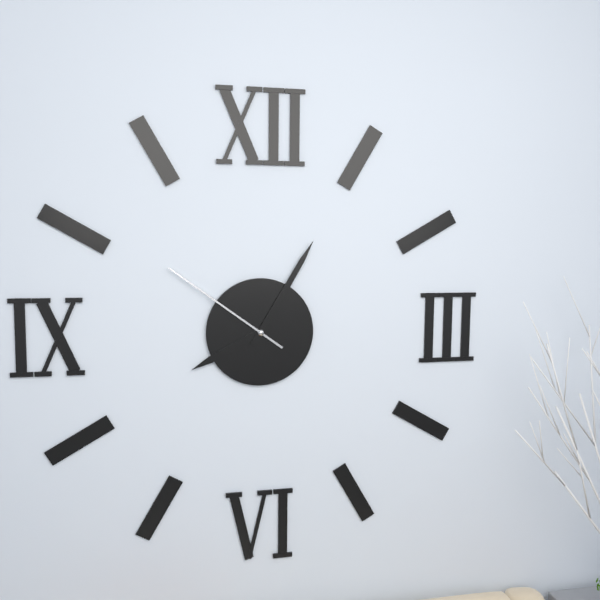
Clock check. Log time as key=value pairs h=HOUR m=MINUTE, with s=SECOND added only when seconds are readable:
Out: h=8 m=5 s=51
